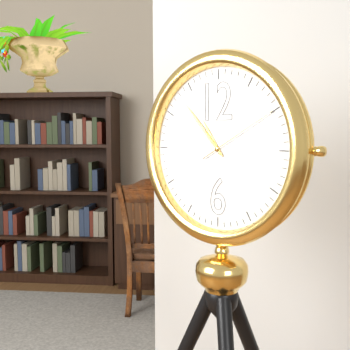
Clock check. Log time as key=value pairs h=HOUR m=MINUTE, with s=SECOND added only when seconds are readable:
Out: h=10 m=53 s=10
